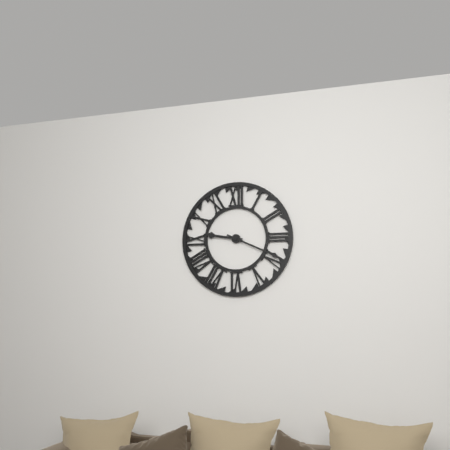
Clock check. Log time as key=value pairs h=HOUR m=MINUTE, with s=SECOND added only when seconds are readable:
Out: h=9 m=19
